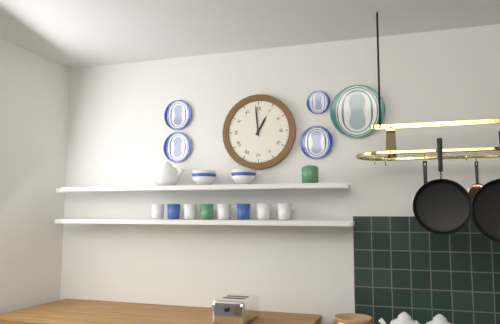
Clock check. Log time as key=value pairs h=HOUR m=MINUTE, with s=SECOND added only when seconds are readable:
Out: h=12 m=59
